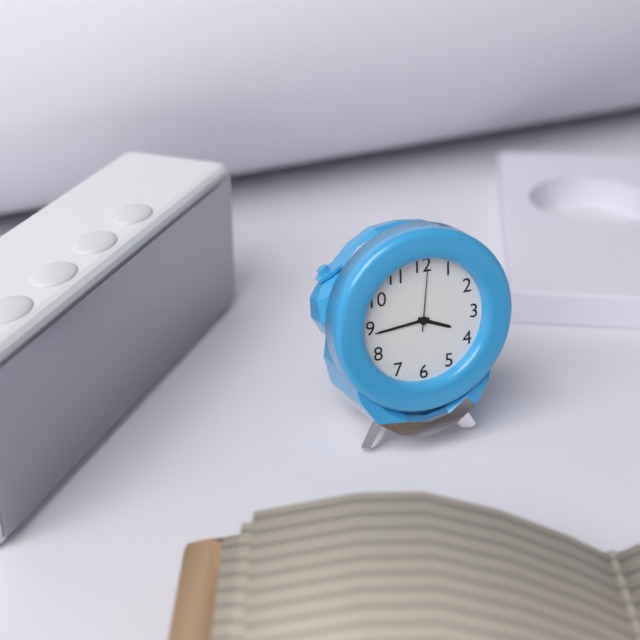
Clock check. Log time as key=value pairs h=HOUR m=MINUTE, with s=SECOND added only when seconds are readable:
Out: h=3 m=44 s=1
